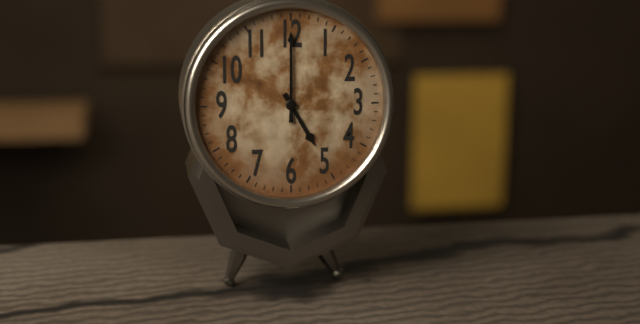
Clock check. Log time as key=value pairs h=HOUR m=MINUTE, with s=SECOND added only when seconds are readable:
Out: h=5 m=0
